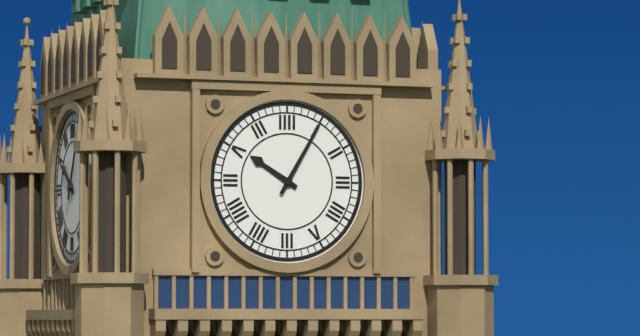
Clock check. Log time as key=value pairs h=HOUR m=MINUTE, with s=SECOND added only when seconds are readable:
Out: h=10 m=5
